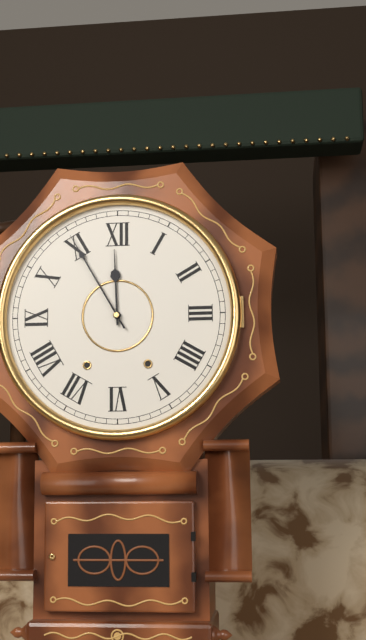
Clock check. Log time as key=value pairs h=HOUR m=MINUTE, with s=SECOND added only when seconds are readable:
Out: h=11 m=55
